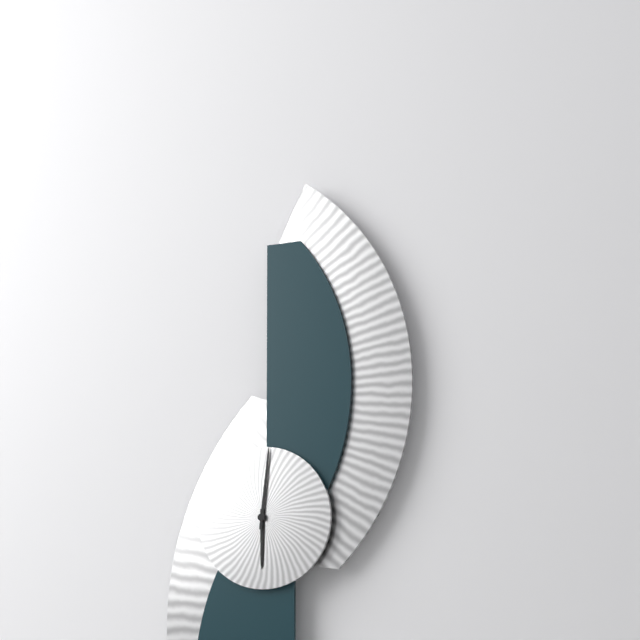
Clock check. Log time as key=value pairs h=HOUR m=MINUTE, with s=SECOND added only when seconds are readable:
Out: h=6 m=1
